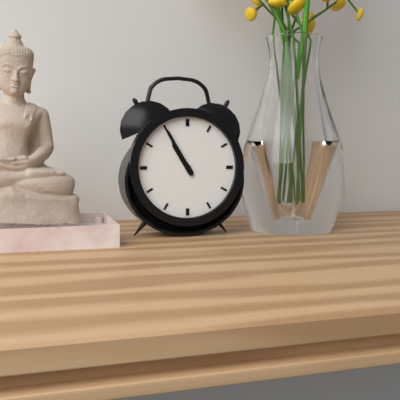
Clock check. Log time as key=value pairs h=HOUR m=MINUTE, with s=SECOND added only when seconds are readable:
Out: h=10 m=55
